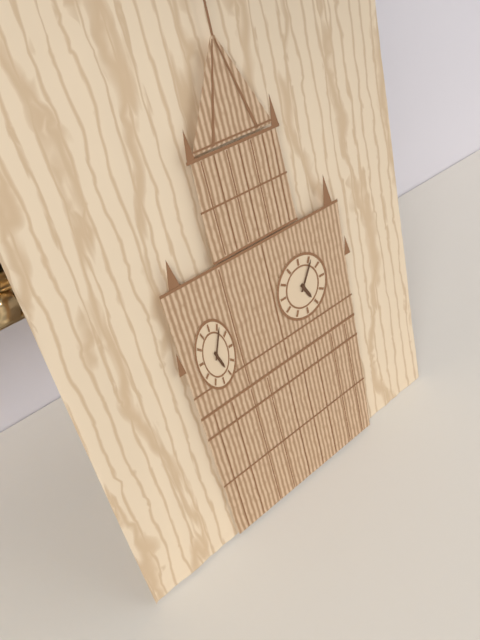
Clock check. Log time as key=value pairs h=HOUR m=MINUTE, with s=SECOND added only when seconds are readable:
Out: h=5 m=6
